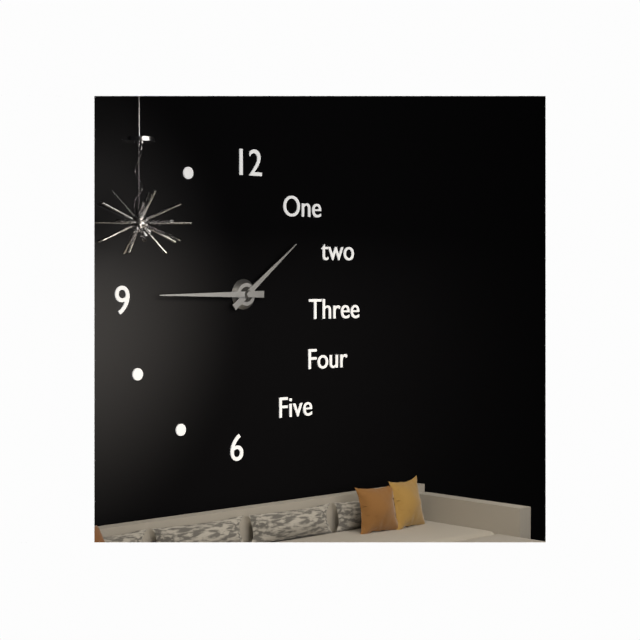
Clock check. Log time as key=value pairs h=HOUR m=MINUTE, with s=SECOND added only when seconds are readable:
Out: h=1 m=45
